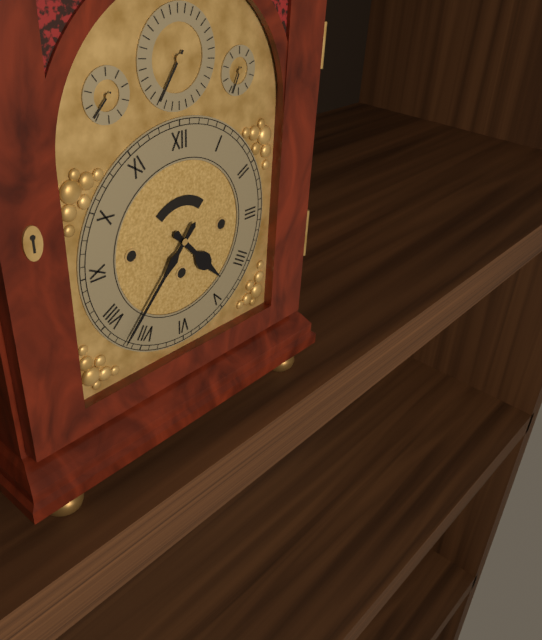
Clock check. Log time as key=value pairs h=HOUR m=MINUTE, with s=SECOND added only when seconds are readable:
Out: h=4 m=37
